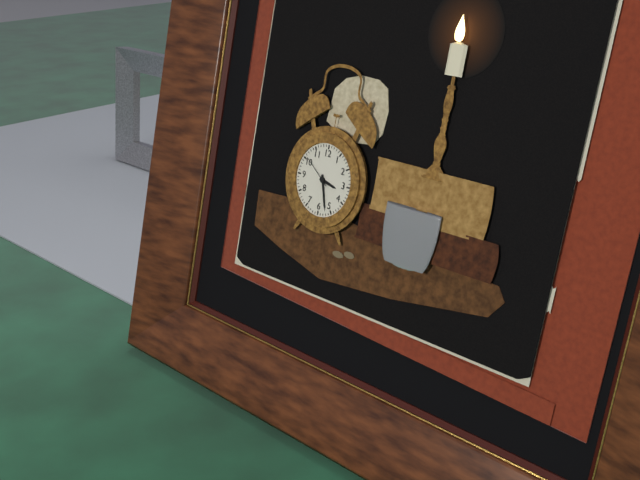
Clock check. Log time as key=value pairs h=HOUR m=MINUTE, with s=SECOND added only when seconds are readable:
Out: h=3 m=27
